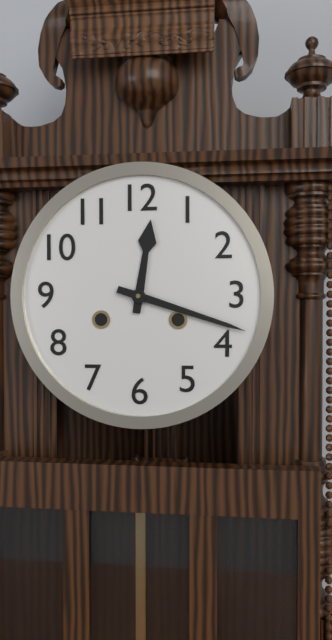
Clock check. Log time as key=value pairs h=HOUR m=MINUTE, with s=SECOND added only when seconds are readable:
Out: h=12 m=18
